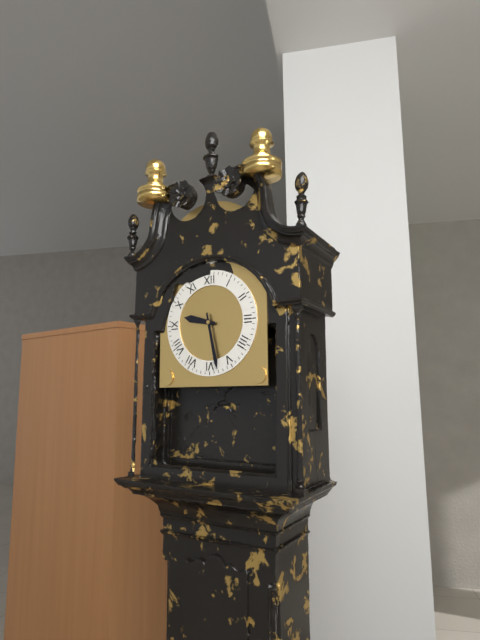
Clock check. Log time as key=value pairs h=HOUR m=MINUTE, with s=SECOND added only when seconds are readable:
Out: h=9 m=28
